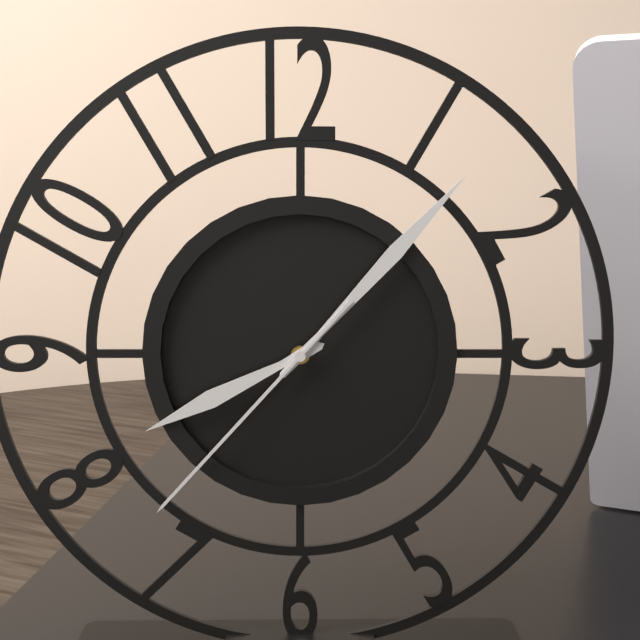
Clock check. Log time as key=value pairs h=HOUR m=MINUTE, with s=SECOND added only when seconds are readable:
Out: h=8 m=7 s=37
